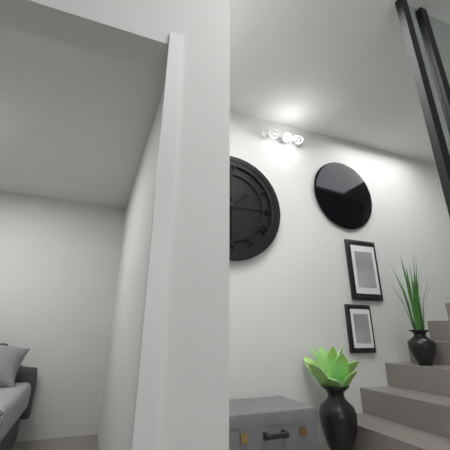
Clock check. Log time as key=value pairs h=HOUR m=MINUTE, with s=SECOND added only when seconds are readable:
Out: h=1 m=30
